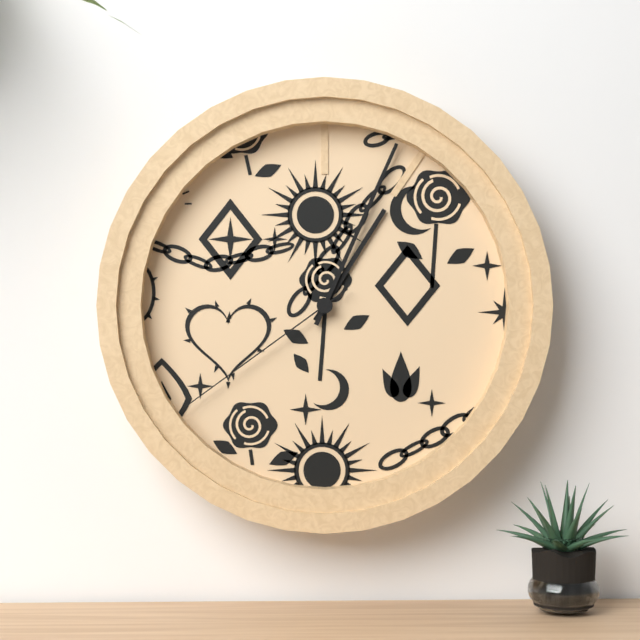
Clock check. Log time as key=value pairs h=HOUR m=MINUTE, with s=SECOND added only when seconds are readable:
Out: h=1 m=4 s=39
